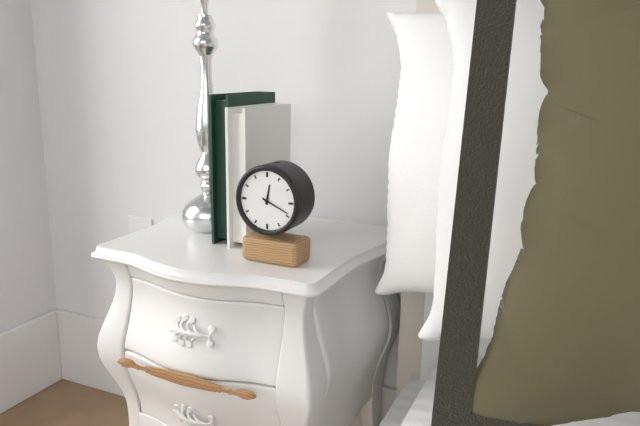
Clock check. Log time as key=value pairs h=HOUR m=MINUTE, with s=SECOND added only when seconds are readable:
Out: h=12 m=19
